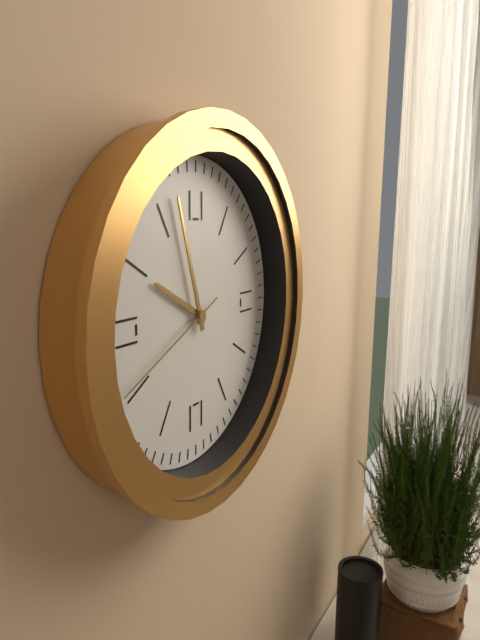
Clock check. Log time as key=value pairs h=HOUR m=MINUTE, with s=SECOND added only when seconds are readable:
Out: h=9 m=57 s=41
